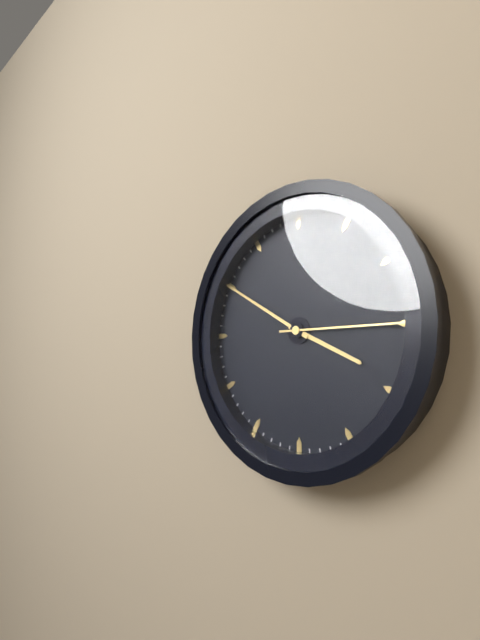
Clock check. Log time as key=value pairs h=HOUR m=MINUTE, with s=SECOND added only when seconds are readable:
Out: h=3 m=50 s=15
